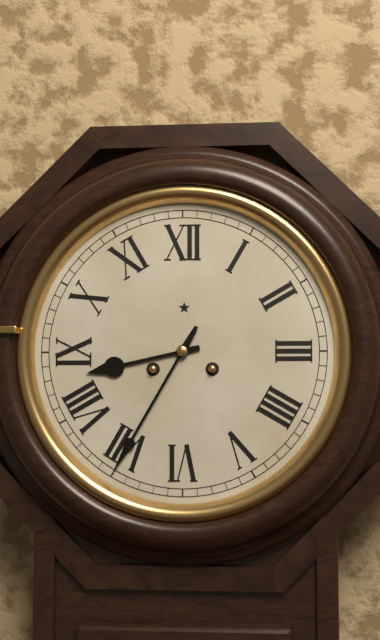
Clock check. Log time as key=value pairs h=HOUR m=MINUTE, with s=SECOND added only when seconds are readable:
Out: h=8 m=35
